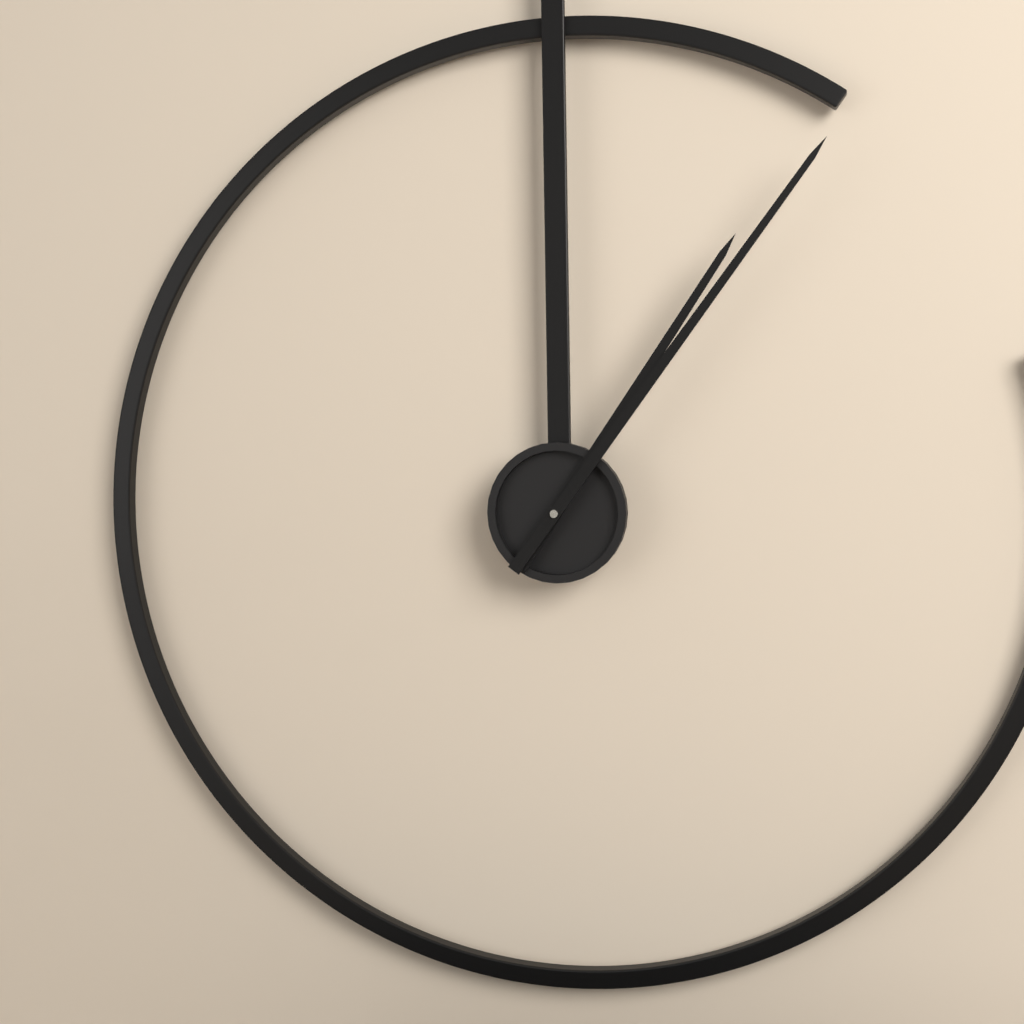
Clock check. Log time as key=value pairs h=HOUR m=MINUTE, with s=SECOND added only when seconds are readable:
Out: h=1 m=6
